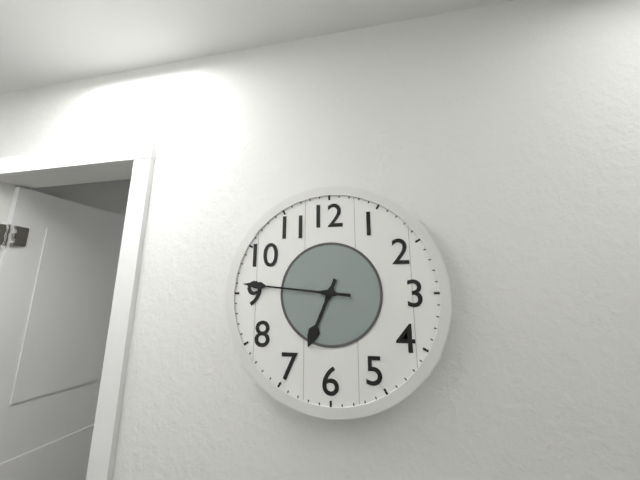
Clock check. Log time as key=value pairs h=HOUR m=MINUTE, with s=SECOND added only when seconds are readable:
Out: h=6 m=46
